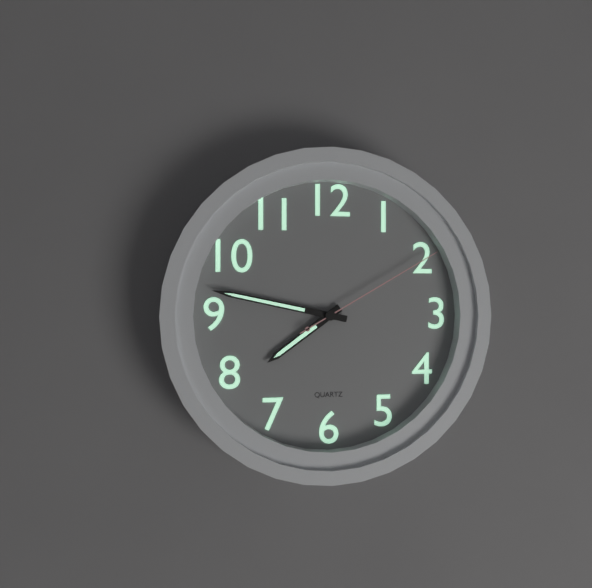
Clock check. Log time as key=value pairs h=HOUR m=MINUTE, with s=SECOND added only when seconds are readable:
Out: h=7 m=47 s=10
